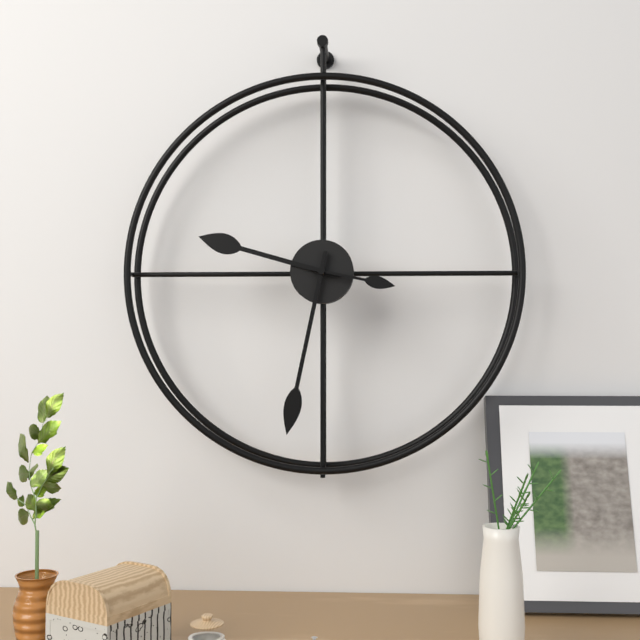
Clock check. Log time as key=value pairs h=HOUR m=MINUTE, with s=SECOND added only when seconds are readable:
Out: h=9 m=32 s=17
